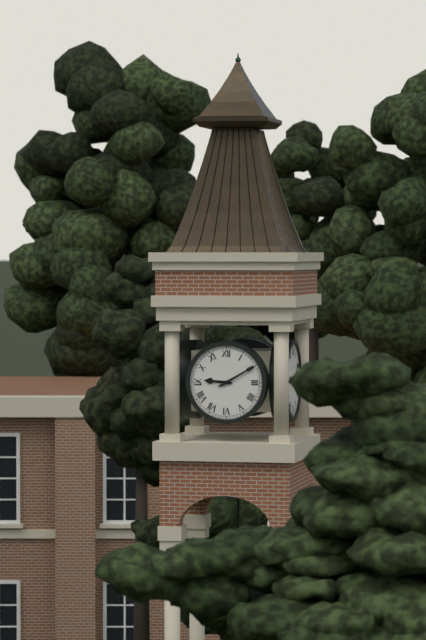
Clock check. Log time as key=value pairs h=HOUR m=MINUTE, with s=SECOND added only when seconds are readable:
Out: h=9 m=10
